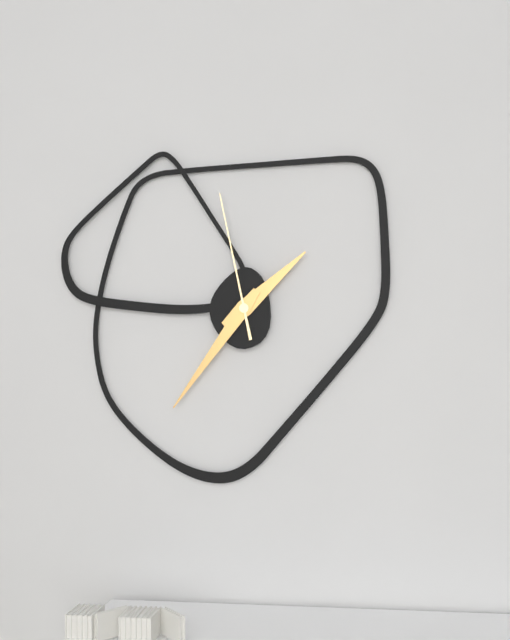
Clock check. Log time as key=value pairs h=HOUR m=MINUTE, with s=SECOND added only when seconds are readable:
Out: h=1 m=36 s=58
